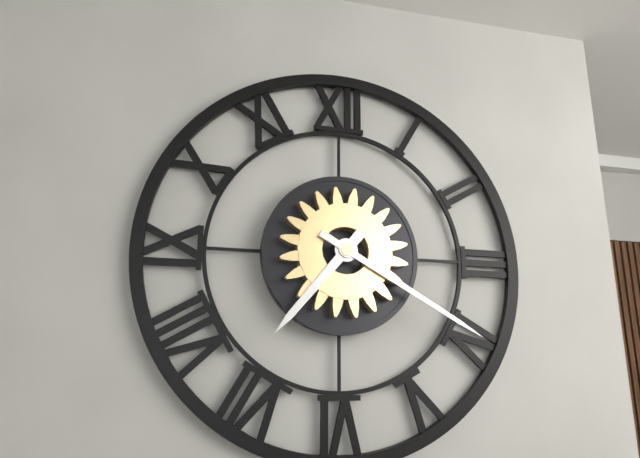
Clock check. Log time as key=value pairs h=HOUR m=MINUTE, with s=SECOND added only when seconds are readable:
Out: h=7 m=20
